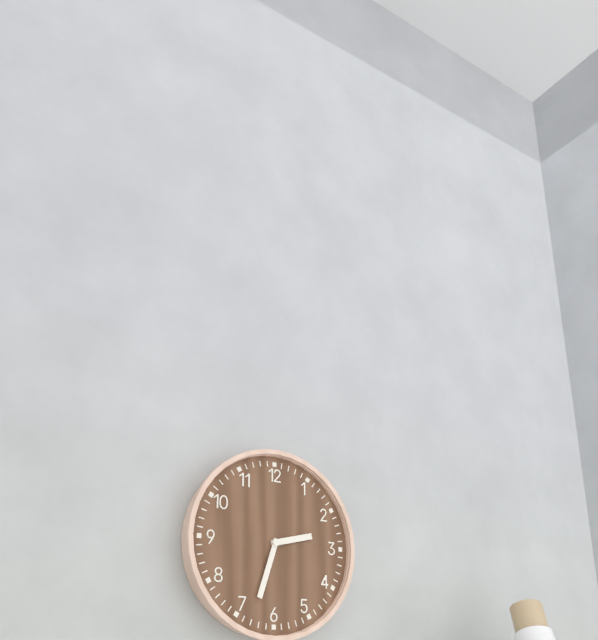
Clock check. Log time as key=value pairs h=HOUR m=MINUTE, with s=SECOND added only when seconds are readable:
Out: h=2 m=33
